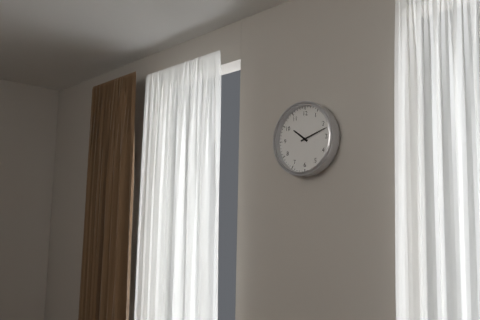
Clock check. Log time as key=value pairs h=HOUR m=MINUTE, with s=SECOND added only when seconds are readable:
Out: h=10 m=12
